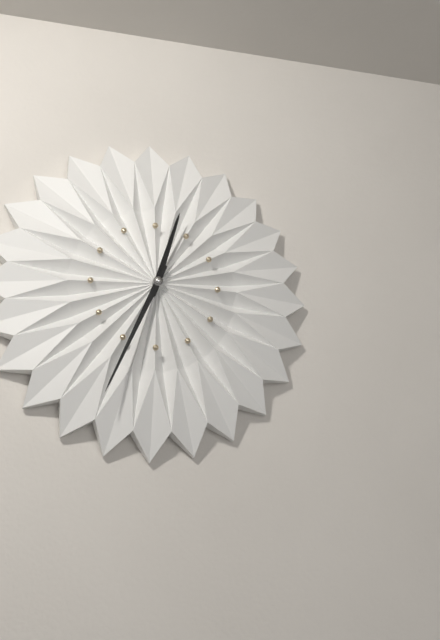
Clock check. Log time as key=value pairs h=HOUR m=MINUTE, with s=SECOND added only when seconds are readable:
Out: h=12 m=34
